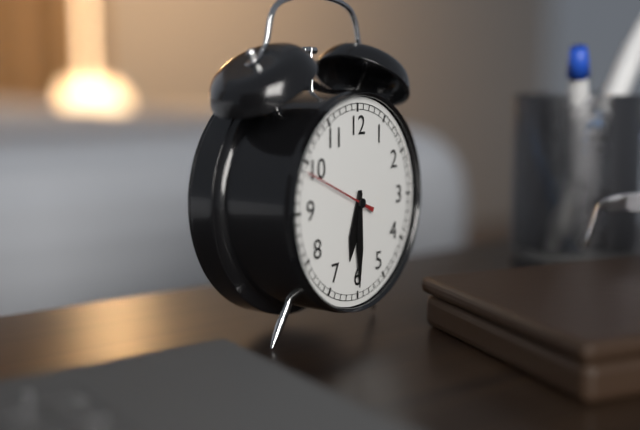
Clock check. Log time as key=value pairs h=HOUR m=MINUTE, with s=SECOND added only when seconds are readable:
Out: h=6 m=30 s=49
